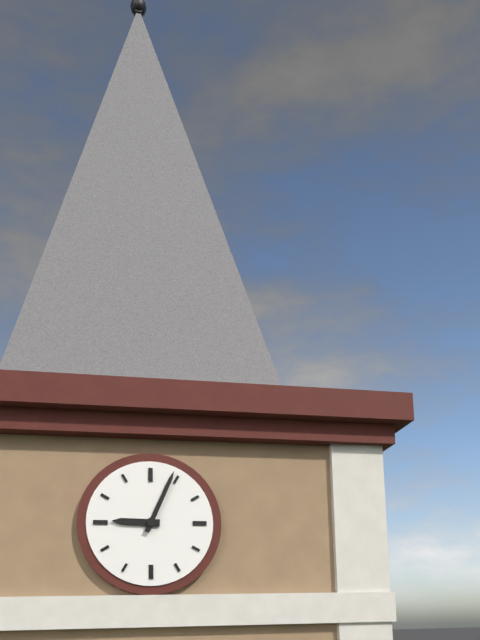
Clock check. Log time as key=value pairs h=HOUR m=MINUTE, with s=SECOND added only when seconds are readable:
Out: h=9 m=4
